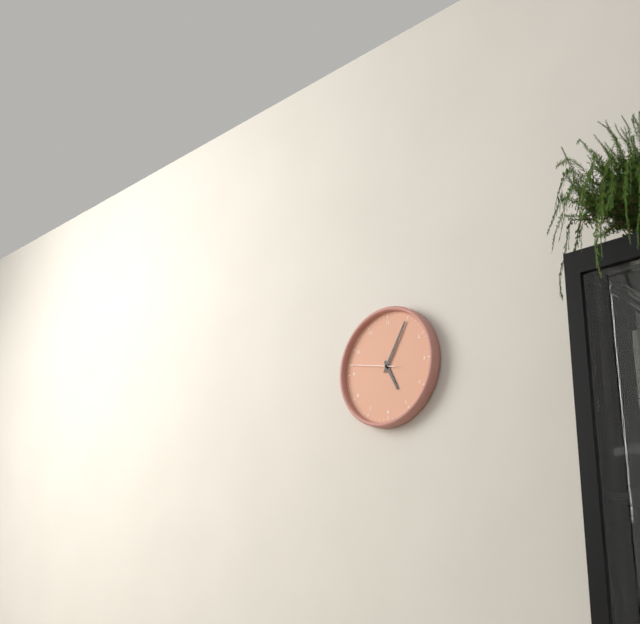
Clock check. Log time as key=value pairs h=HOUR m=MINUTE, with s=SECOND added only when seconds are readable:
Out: h=5 m=5
